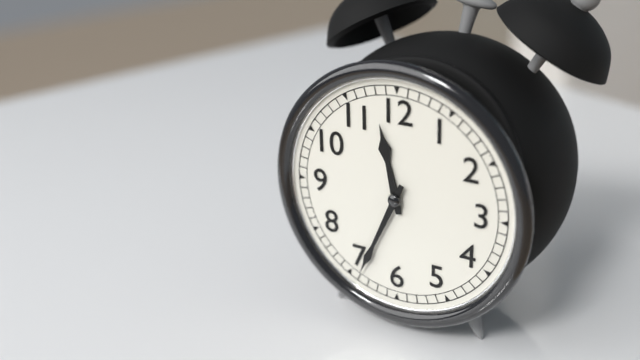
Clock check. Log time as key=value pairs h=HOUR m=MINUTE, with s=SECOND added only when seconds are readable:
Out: h=11 m=34
